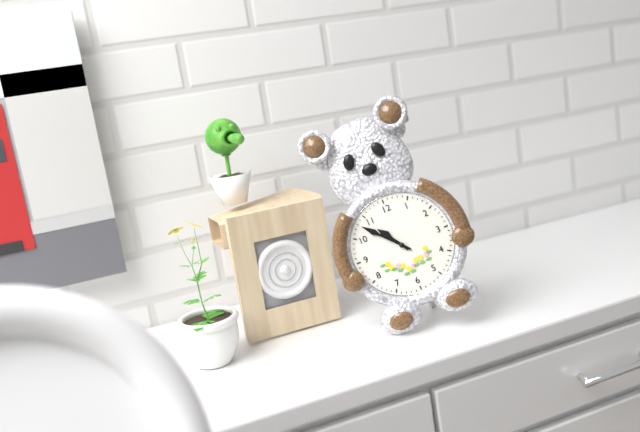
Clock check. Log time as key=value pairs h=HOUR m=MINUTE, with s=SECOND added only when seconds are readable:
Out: h=10 m=53
